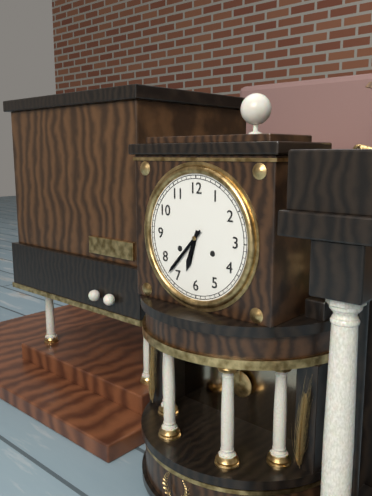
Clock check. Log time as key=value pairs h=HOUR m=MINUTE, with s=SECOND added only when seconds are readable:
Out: h=6 m=37
